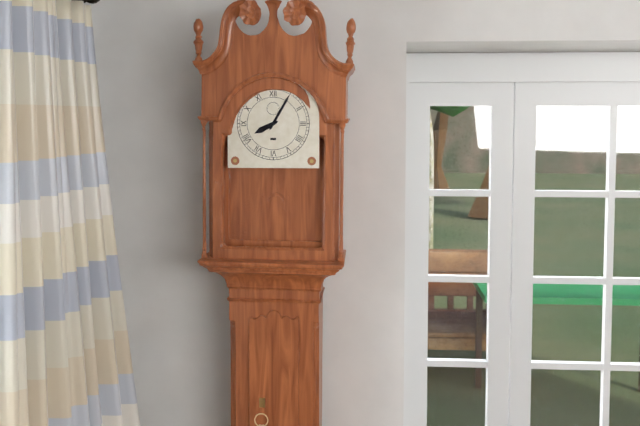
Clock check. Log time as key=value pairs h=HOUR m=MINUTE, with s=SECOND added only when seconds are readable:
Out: h=8 m=5
